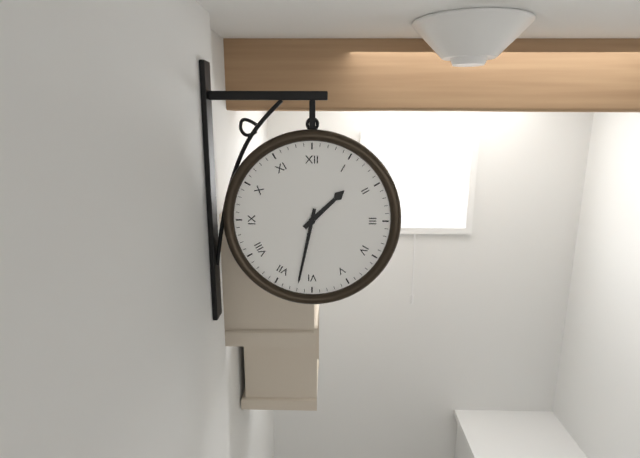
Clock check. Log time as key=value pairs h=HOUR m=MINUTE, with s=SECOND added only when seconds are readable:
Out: h=1 m=32
